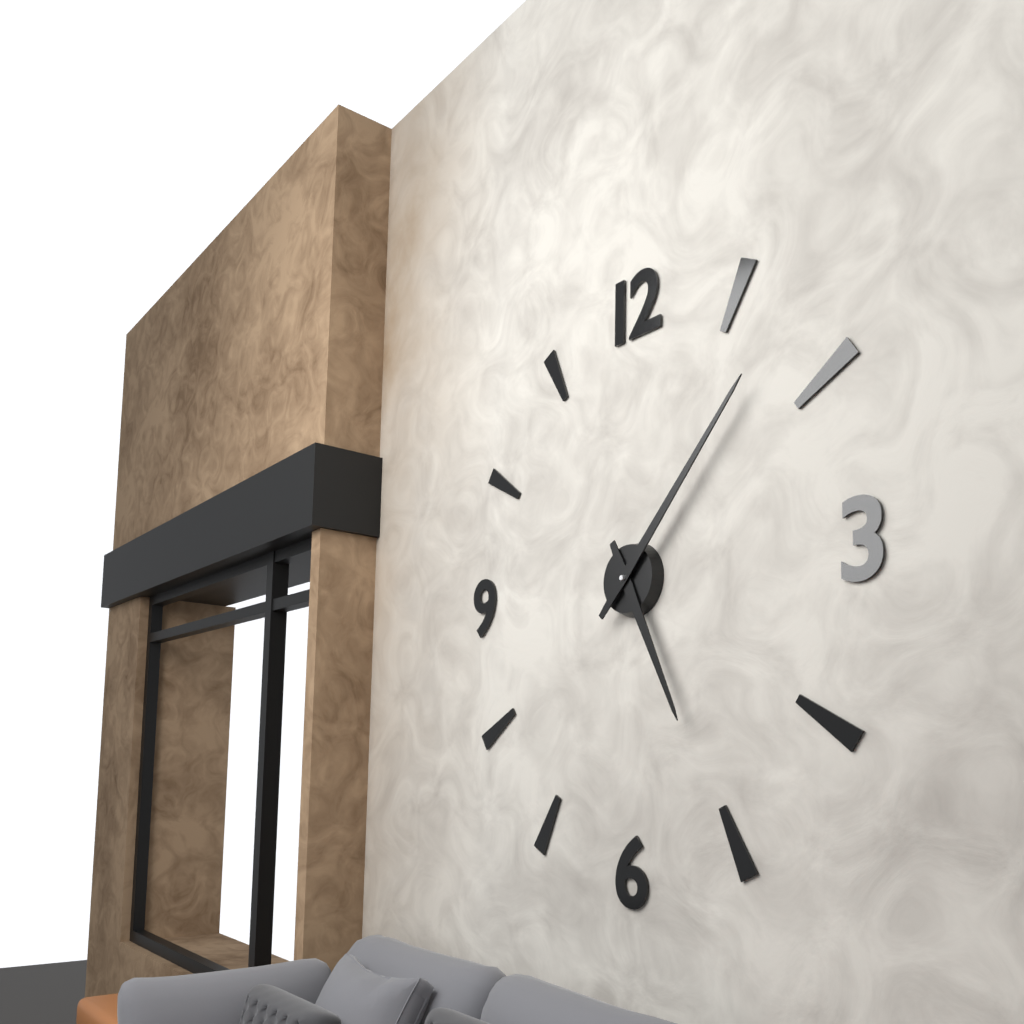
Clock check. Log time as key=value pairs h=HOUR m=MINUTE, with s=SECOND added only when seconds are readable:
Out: h=5 m=7
